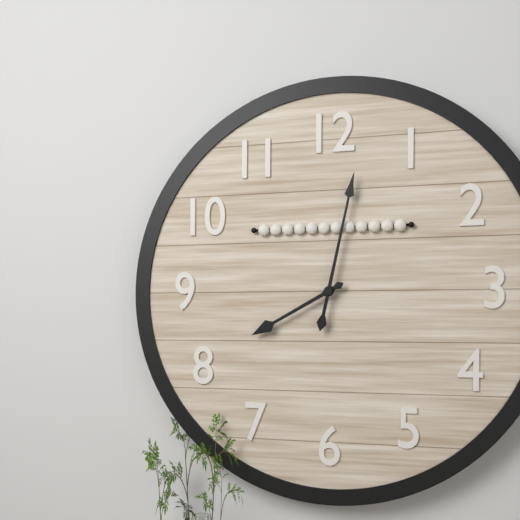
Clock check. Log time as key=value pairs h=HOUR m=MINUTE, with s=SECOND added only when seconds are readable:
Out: h=8 m=2
